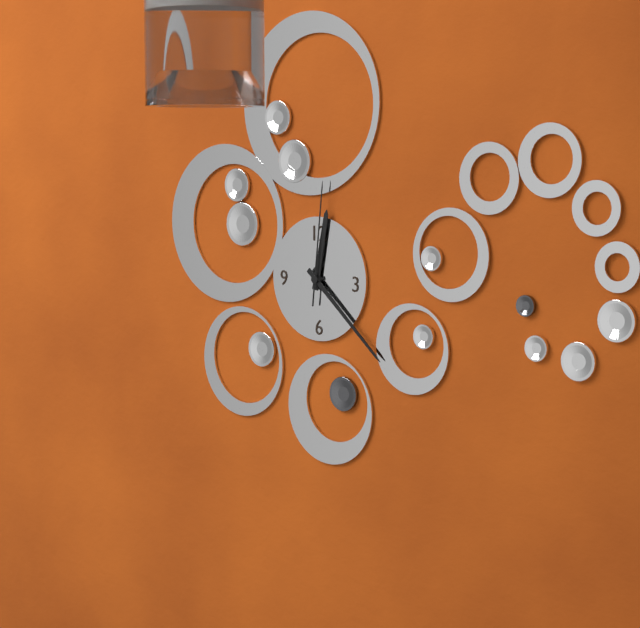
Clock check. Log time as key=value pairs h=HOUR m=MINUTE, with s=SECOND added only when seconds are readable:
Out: h=12 m=22 s=1
